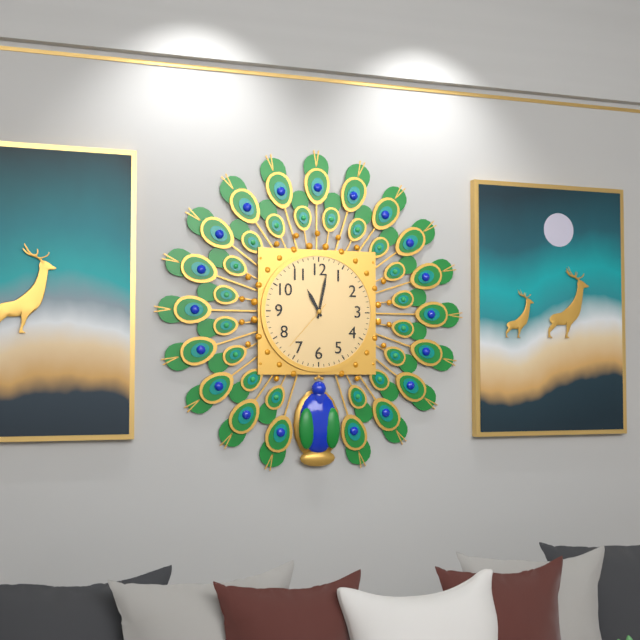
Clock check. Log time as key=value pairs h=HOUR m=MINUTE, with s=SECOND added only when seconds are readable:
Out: h=11 m=2 s=37
